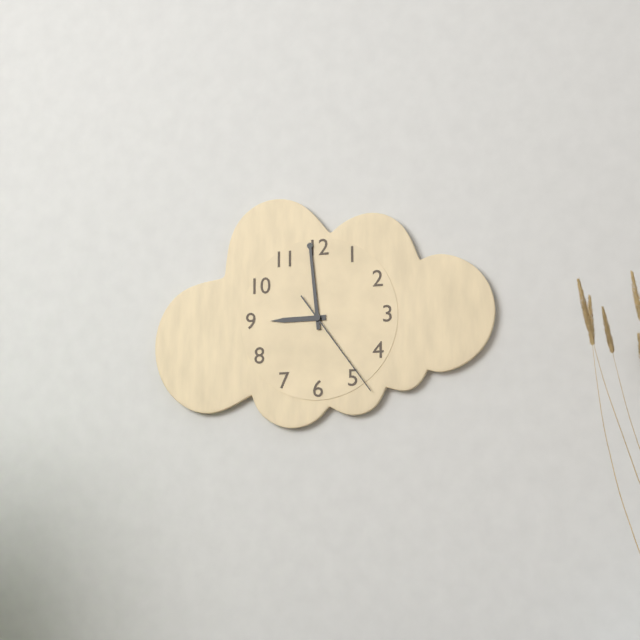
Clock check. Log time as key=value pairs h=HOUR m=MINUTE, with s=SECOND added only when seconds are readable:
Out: h=8 m=59 s=24
